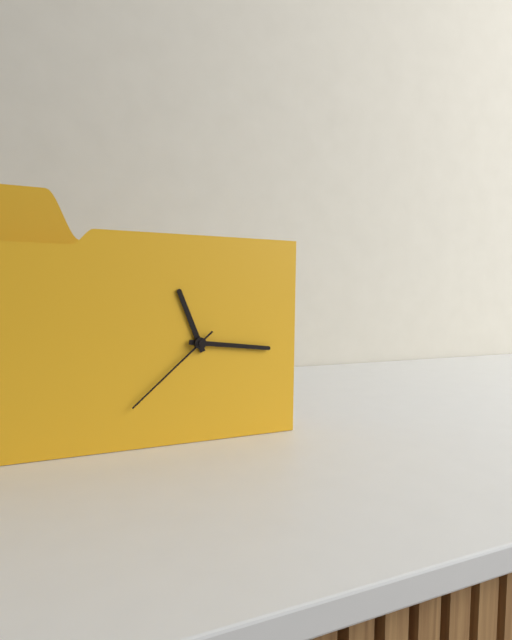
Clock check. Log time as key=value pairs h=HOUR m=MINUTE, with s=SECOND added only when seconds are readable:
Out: h=11 m=16 s=38
